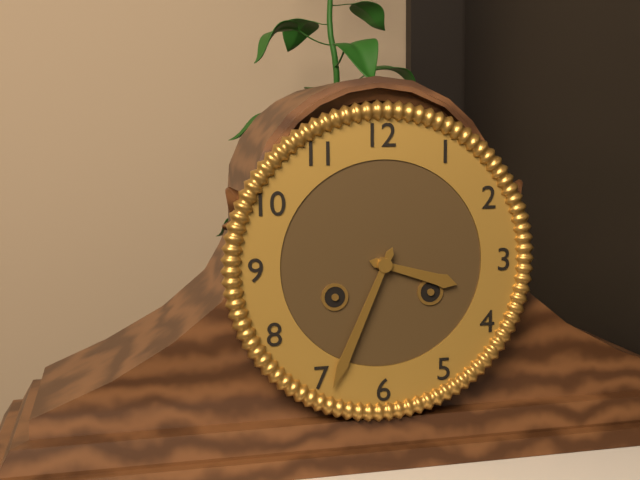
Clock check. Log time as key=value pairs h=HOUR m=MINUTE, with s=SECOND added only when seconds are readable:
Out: h=3 m=34
